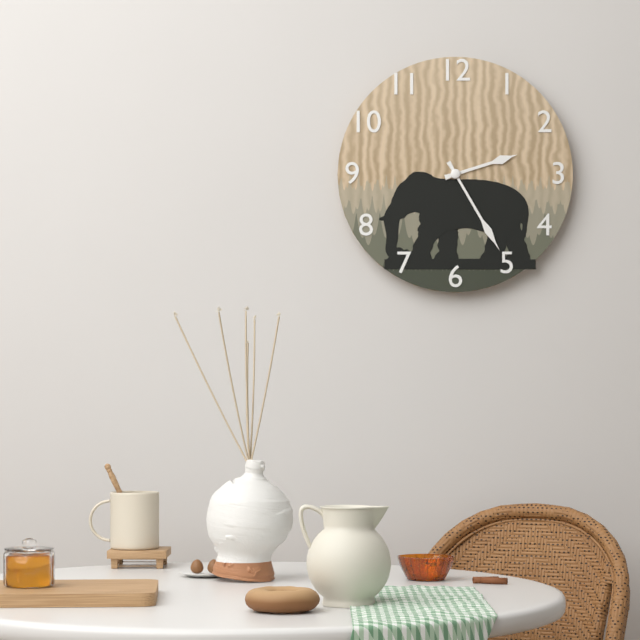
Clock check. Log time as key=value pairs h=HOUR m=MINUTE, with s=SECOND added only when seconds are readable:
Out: h=2 m=25
